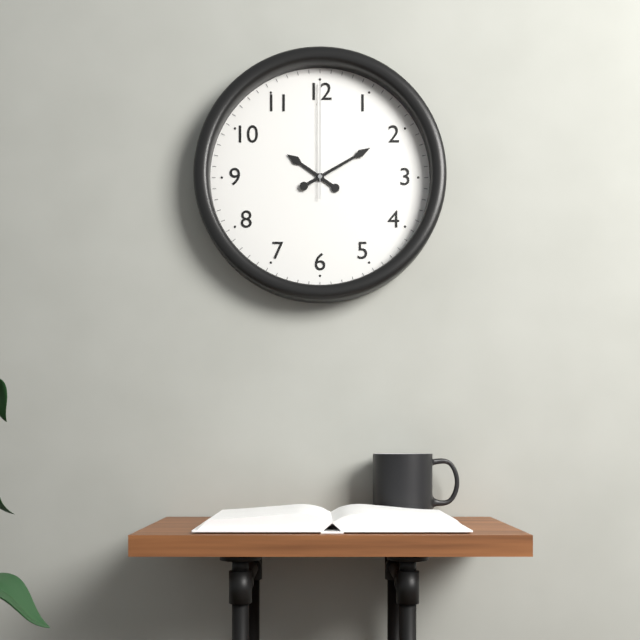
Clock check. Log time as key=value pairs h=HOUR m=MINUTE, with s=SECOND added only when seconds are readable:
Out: h=10 m=10 s=0
